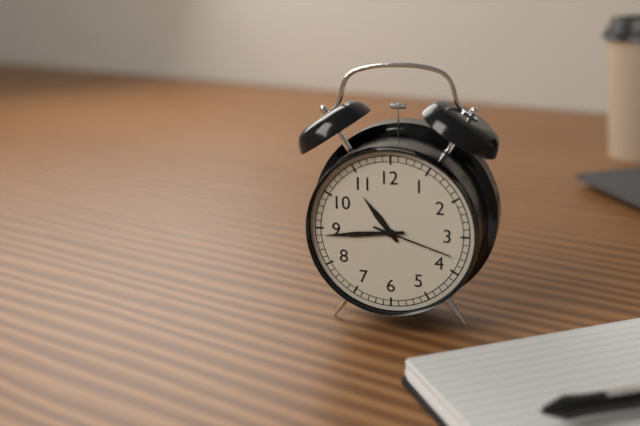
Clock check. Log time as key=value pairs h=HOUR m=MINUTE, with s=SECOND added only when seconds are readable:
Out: h=10 m=44 s=18
